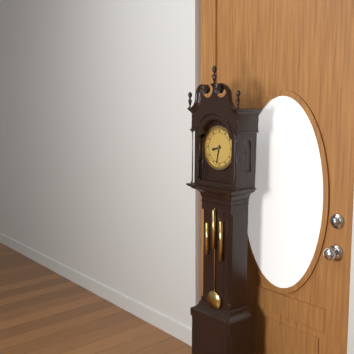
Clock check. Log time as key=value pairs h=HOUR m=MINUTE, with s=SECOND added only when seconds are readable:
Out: h=8 m=32
